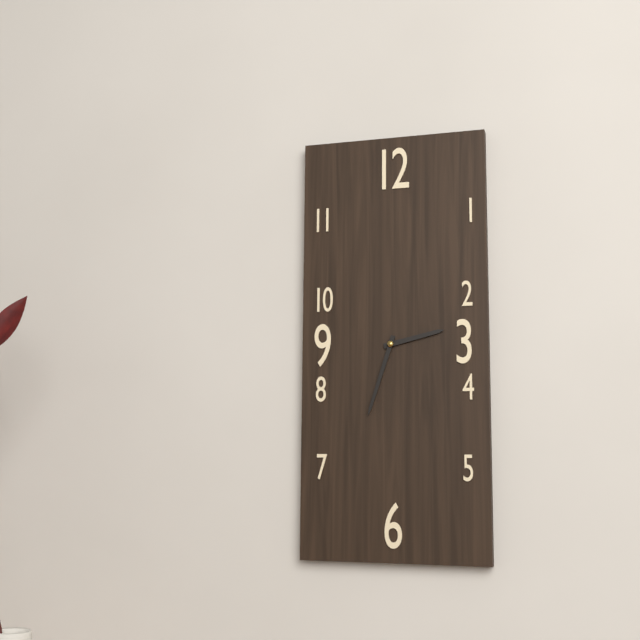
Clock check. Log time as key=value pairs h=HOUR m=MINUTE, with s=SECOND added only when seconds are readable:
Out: h=2 m=33
